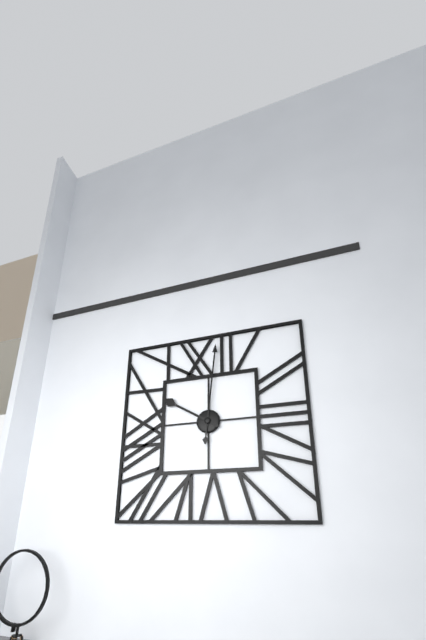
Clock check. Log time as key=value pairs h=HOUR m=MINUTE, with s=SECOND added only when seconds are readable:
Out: h=10 m=1
